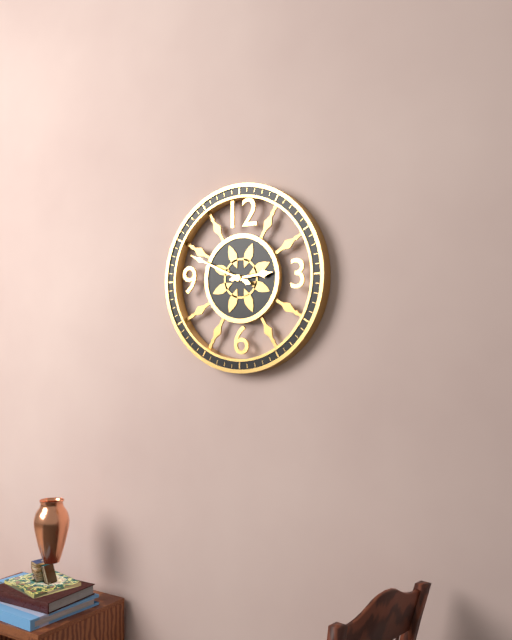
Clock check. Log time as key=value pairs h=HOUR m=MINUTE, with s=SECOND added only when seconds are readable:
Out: h=2 m=49
